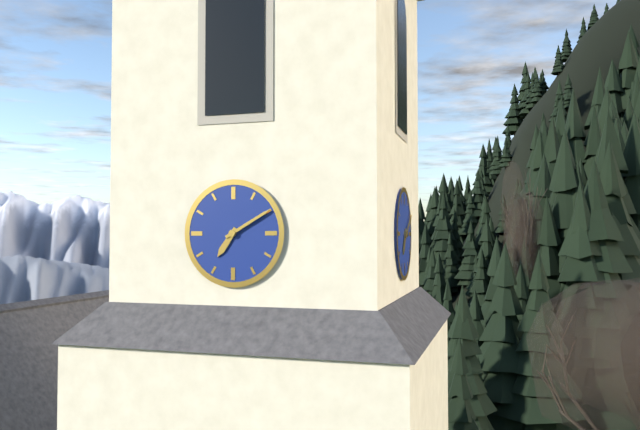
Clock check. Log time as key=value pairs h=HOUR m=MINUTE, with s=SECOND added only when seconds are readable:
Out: h=7 m=10
